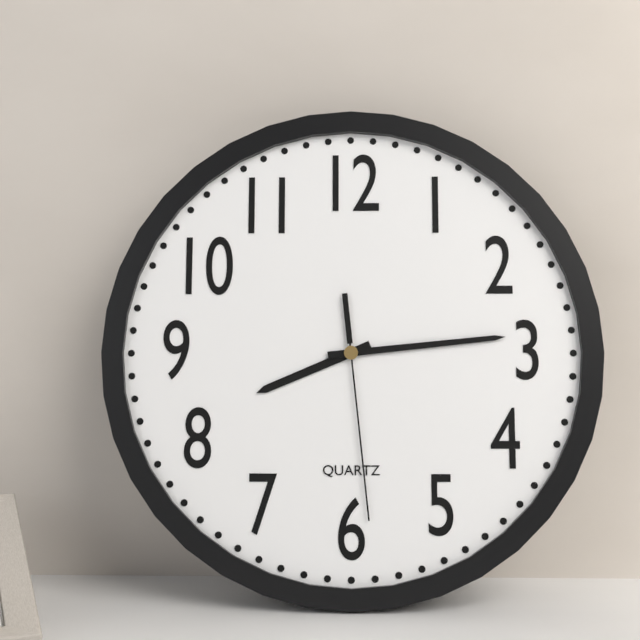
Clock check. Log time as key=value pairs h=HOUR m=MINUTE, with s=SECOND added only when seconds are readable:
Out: h=8 m=14 s=29
